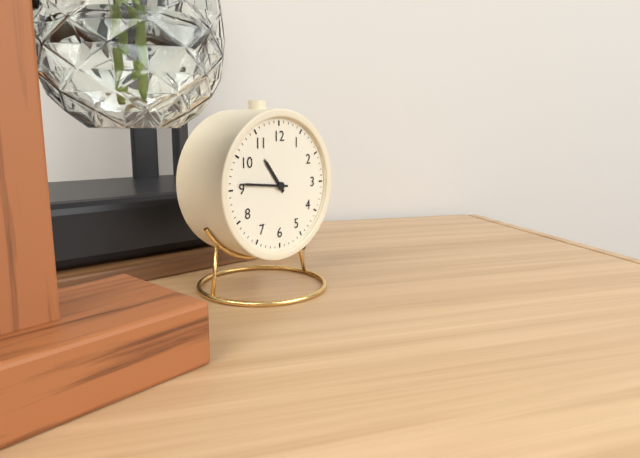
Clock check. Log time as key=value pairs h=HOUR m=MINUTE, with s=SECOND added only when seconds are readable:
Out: h=10 m=46
